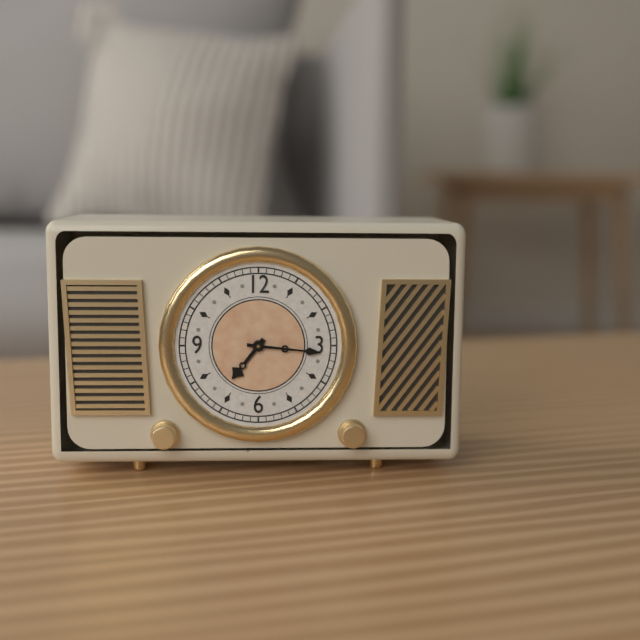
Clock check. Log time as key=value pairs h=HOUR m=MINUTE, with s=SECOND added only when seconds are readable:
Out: h=7 m=16
